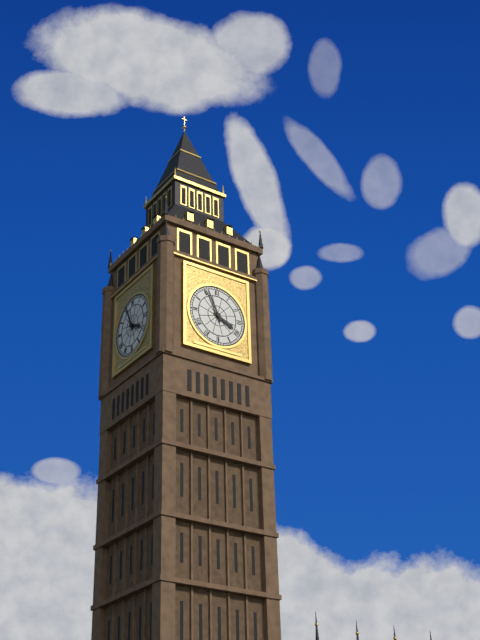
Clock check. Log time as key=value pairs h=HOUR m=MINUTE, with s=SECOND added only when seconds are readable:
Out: h=3 m=56
